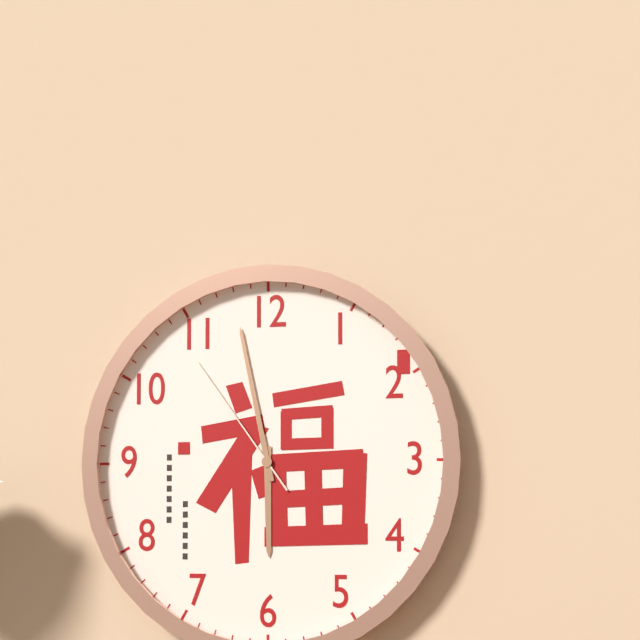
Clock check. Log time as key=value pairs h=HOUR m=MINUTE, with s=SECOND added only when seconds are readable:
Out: h=5 m=58 s=54
